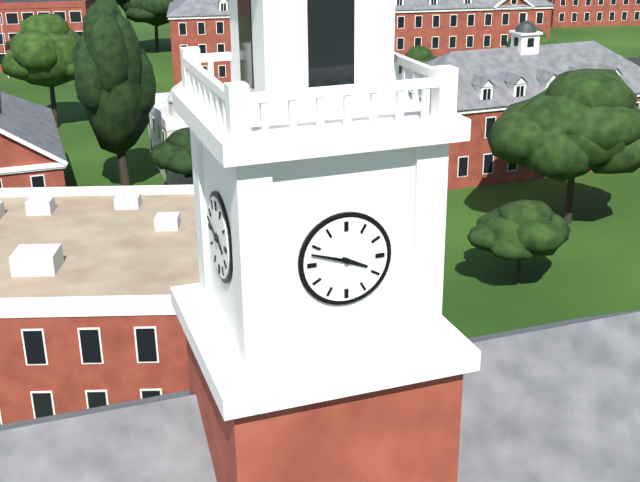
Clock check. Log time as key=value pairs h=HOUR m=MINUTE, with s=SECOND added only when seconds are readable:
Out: h=3 m=48
